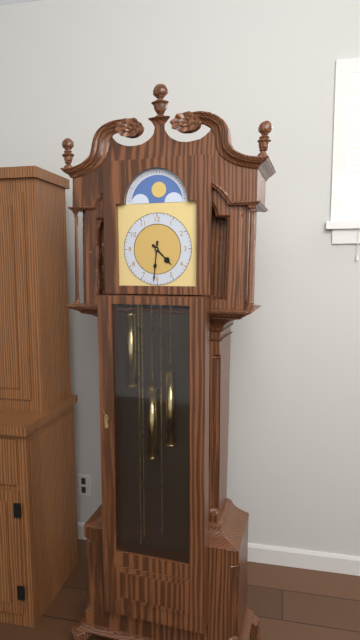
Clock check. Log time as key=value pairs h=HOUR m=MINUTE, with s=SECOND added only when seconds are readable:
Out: h=4 m=31
